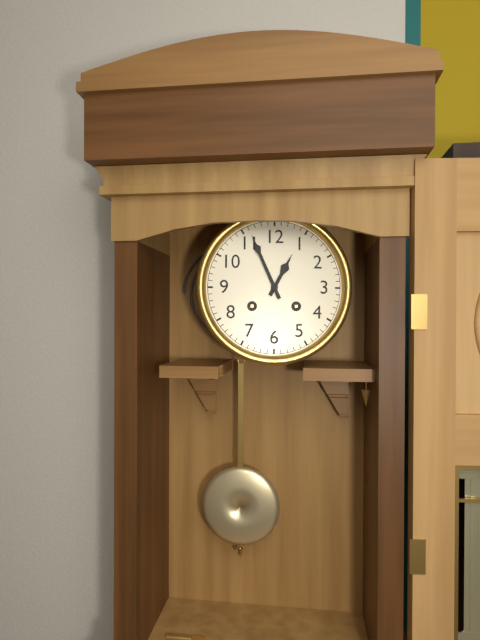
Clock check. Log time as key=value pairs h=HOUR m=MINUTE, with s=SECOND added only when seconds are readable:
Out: h=12 m=56
